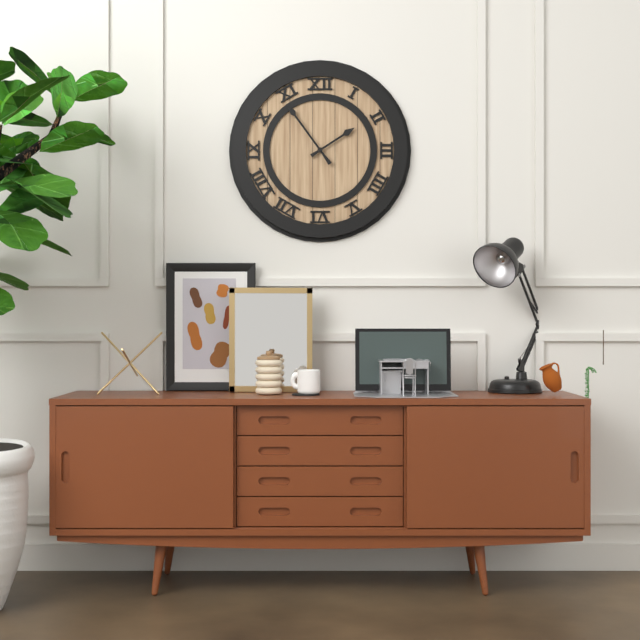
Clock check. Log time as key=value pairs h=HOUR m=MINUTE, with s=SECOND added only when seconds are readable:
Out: h=1 m=54
